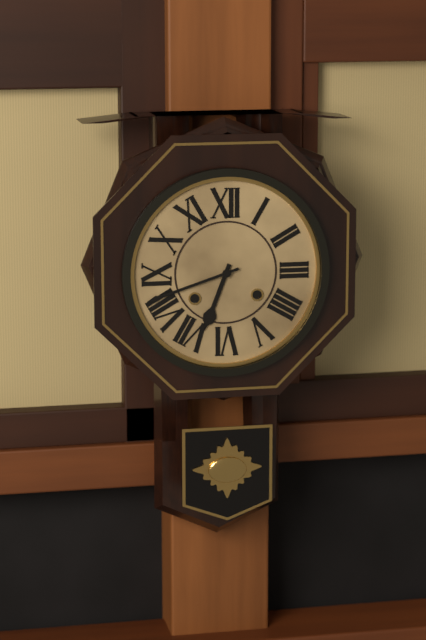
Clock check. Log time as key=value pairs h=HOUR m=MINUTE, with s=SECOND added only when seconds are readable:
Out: h=6 m=42
